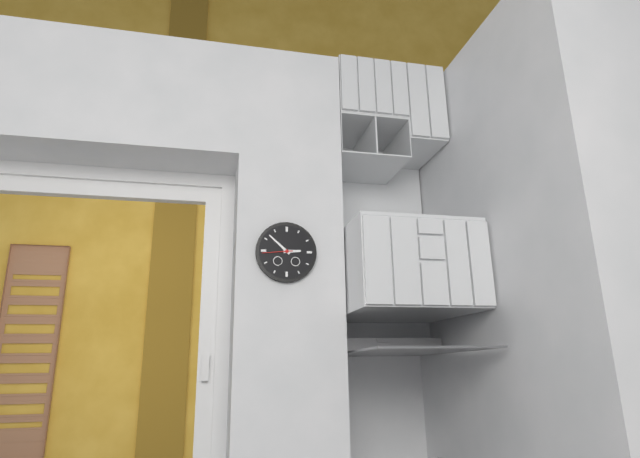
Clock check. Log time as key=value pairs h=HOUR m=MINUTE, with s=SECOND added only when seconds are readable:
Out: h=2 m=52
